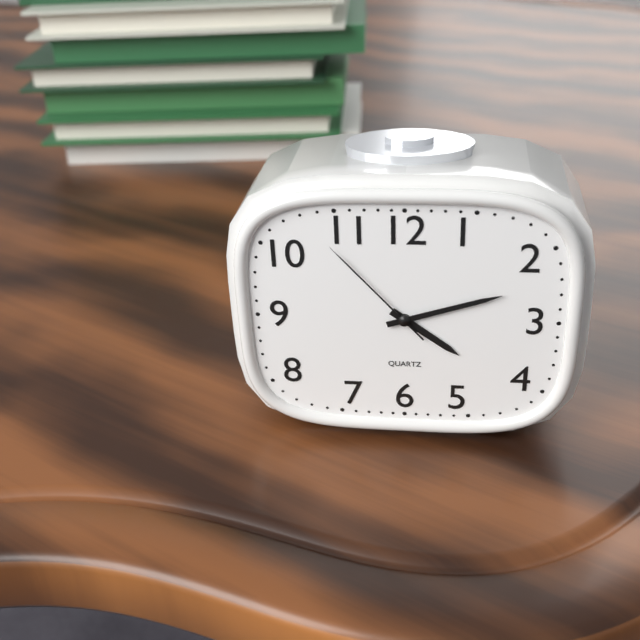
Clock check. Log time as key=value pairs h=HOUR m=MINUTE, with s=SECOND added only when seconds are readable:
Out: h=4 m=12 s=53
